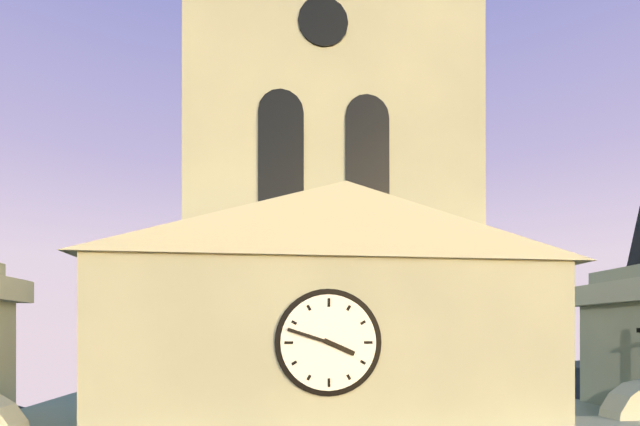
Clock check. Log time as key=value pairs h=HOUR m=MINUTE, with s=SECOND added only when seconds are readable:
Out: h=3 m=48
